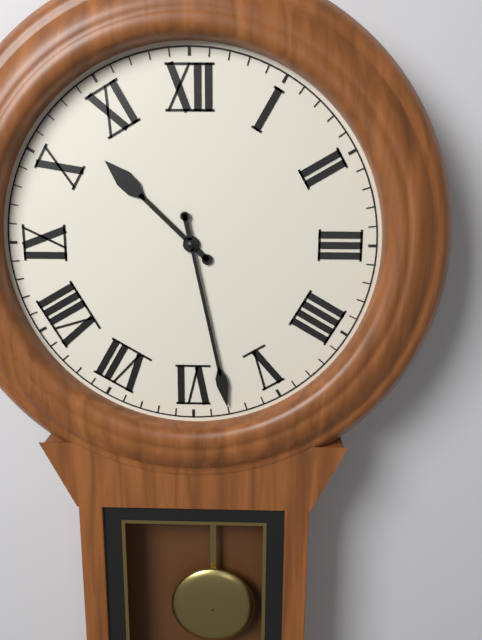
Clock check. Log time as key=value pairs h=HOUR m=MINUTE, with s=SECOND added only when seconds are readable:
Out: h=10 m=28
